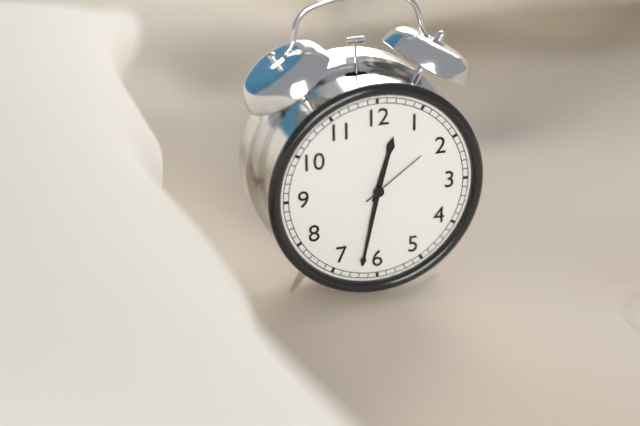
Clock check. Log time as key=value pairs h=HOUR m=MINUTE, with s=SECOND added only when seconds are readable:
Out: h=12 m=32 s=9
